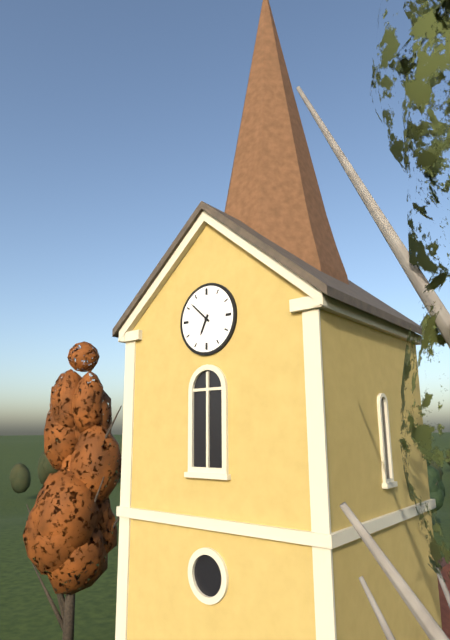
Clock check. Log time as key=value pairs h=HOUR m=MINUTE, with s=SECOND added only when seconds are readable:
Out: h=6 m=52
